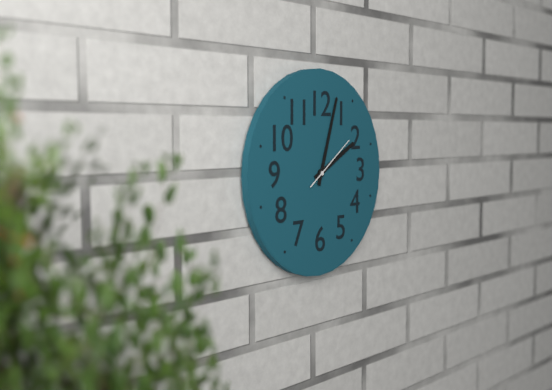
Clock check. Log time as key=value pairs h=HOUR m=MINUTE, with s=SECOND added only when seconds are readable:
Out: h=2 m=3 s=9
